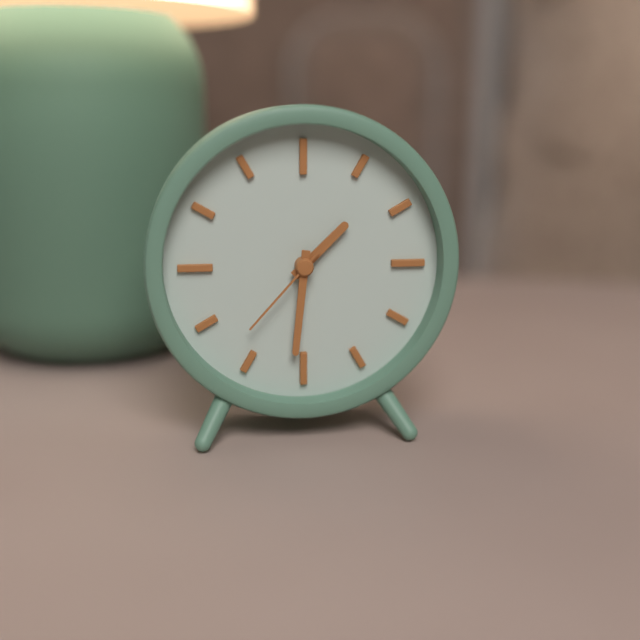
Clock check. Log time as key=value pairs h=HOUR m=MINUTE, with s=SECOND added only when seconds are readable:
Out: h=1 m=31 s=37
